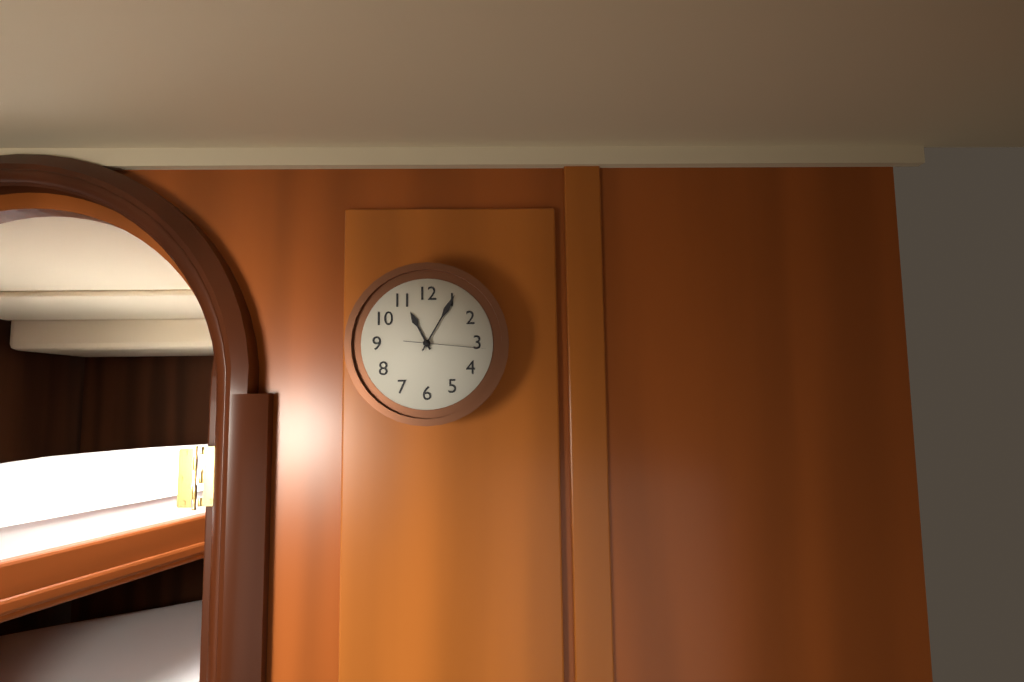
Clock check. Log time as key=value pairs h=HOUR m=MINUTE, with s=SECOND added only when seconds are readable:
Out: h=11 m=5 s=16
